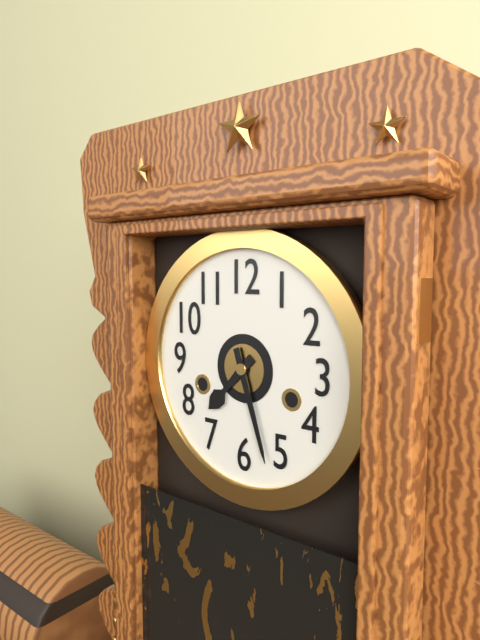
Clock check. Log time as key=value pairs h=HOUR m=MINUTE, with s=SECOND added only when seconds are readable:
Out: h=7 m=27
